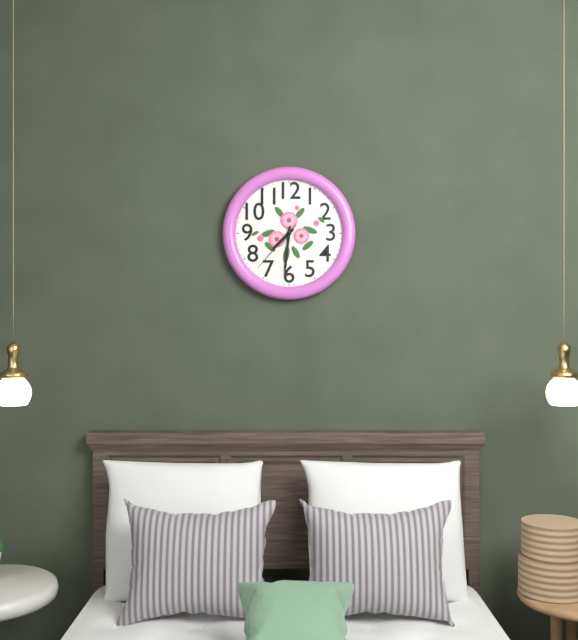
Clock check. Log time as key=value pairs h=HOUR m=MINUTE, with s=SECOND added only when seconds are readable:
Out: h=7 m=31 s=37
